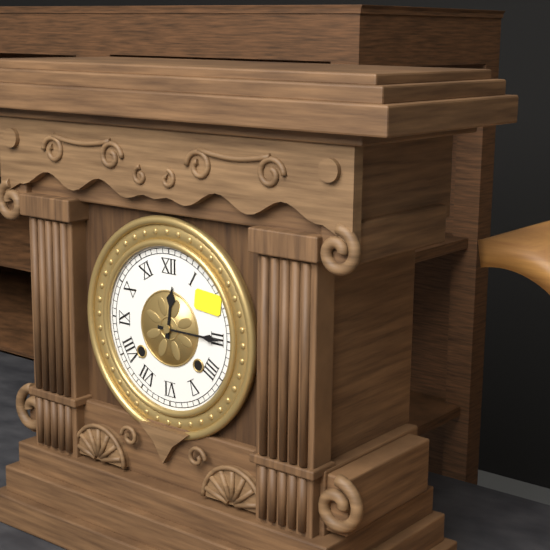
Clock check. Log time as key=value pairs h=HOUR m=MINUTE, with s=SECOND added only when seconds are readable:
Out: h=12 m=15
